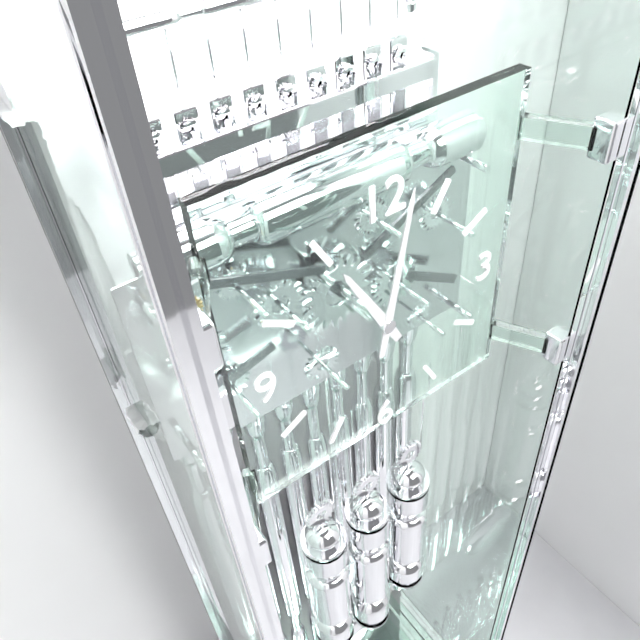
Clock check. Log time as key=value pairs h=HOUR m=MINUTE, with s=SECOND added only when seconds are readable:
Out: h=11 m=2
